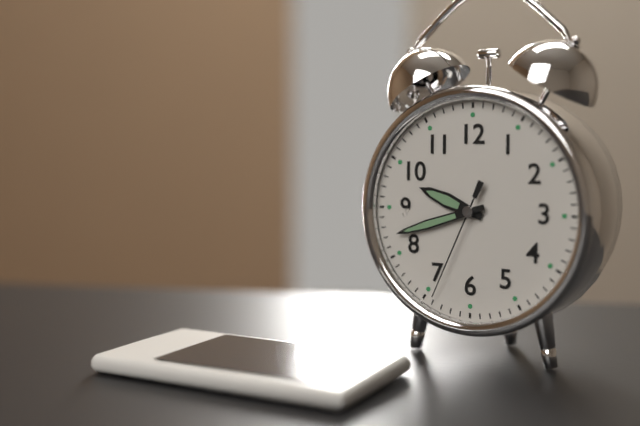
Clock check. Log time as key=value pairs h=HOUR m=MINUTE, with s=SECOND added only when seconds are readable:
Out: h=9 m=42 s=34
